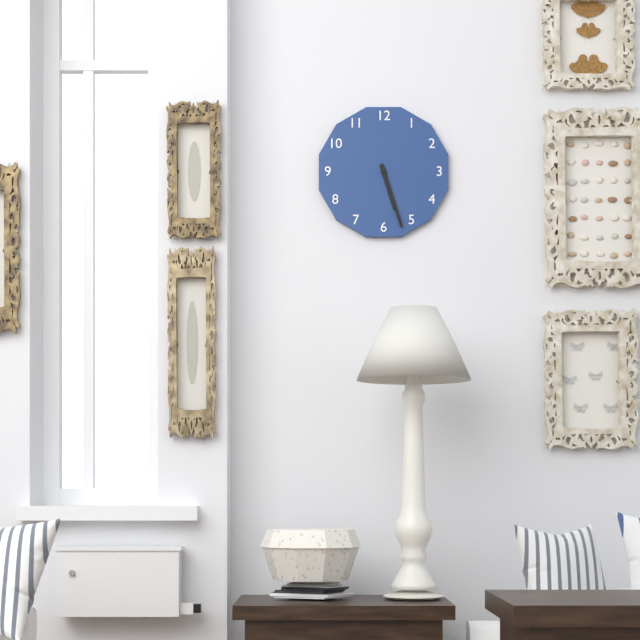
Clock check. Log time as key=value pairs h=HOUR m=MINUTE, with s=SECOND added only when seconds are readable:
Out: h=5 m=27
